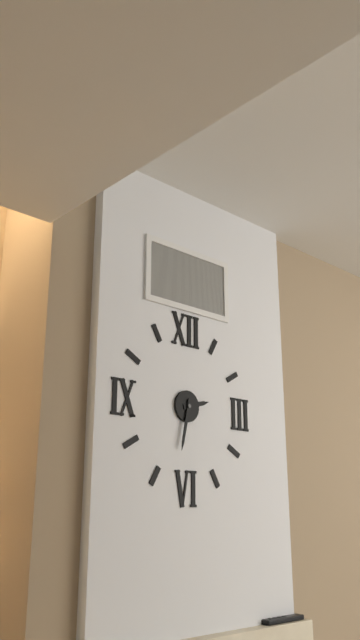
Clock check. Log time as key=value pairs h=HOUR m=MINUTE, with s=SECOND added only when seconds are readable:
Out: h=2 m=32
